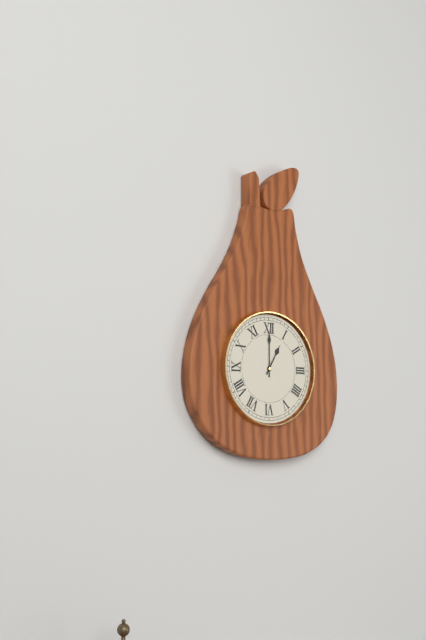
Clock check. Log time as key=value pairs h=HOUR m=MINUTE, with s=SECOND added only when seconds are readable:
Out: h=1 m=0
